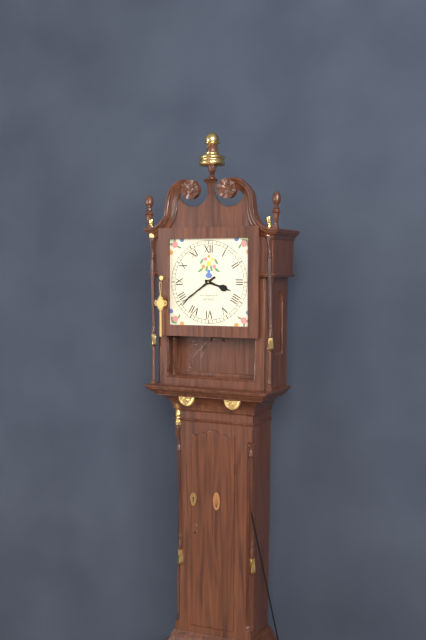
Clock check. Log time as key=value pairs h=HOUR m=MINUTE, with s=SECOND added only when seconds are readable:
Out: h=3 m=39
